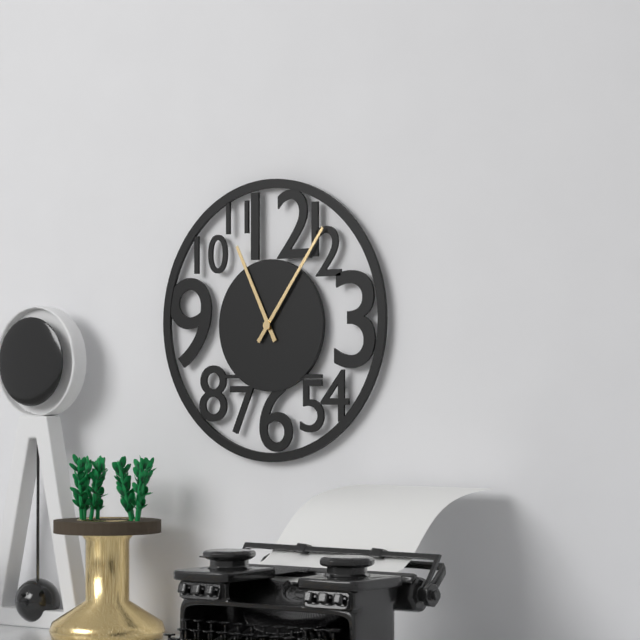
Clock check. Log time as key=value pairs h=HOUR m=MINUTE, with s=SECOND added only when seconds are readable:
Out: h=11 m=6
